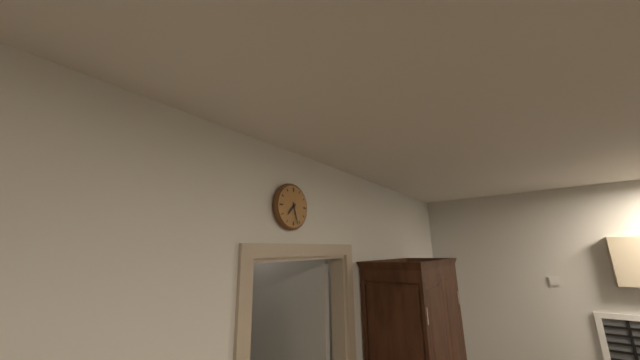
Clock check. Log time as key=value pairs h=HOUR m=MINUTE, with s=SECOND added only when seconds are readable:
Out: h=7 m=27
